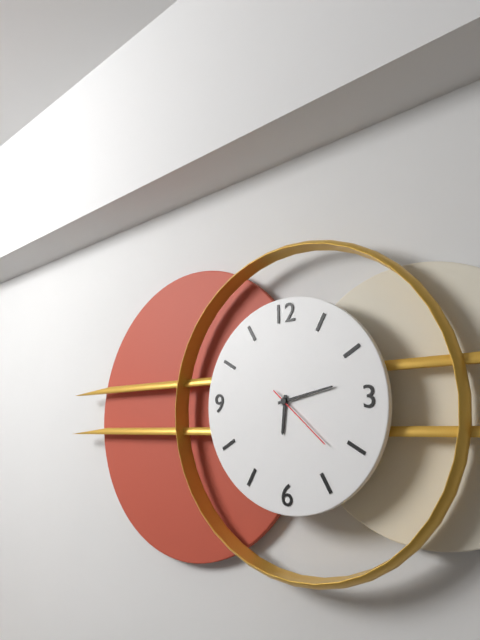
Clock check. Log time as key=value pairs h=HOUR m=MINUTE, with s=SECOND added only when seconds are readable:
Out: h=6 m=13 s=22
